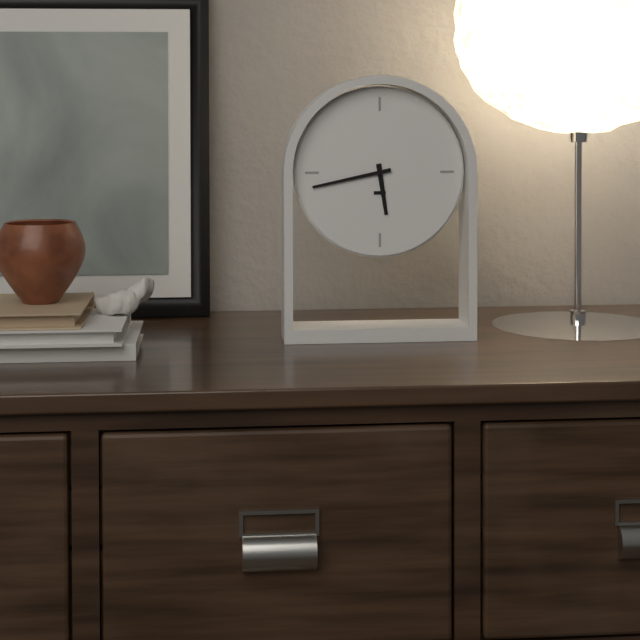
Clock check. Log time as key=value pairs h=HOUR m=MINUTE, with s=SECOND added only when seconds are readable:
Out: h=5 m=43
